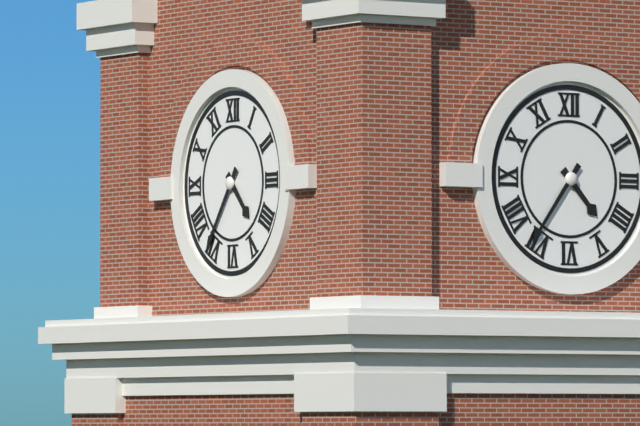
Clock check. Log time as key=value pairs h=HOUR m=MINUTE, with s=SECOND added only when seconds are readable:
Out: h=4 m=36
